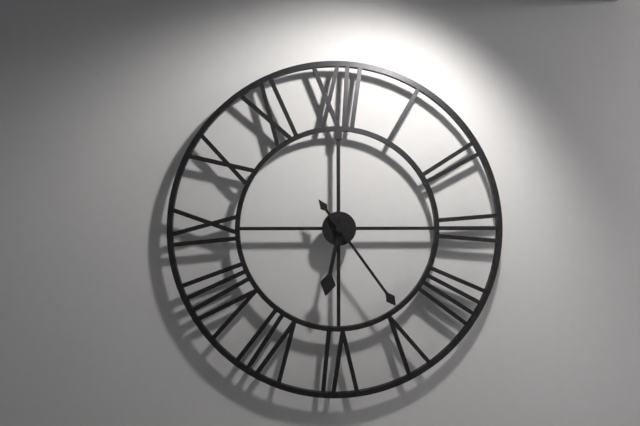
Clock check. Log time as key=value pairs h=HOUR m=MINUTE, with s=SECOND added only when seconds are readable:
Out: h=6 m=24
